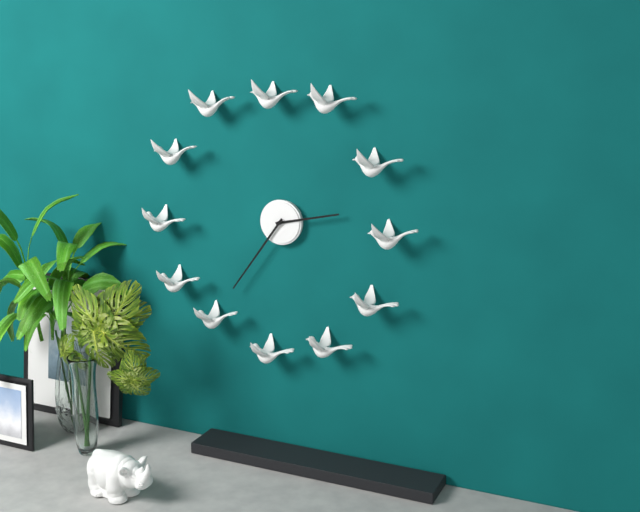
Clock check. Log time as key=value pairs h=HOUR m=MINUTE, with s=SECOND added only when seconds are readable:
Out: h=2 m=36
